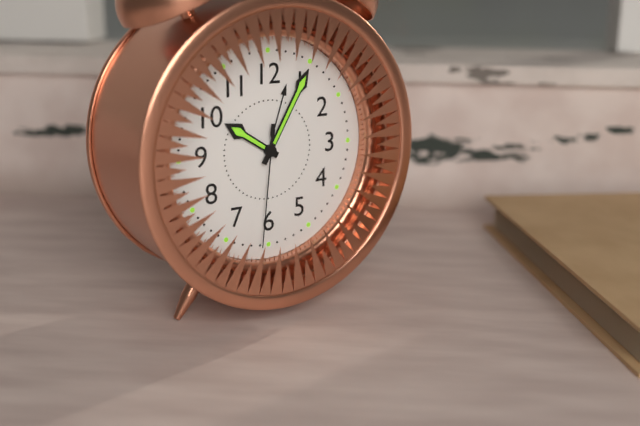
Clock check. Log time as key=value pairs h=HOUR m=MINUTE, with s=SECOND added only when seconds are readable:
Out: h=10 m=5 s=31
